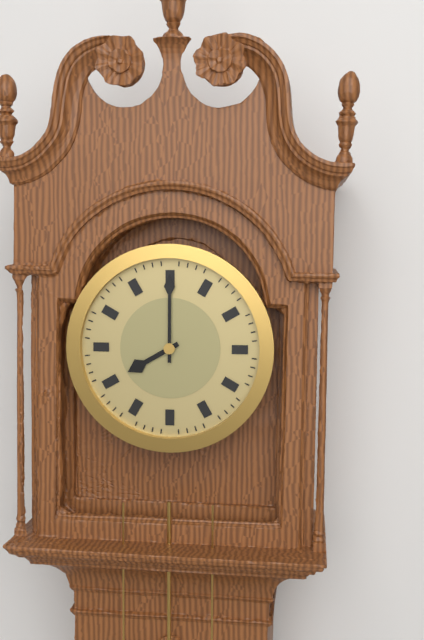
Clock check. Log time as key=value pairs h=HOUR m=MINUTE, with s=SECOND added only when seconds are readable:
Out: h=8 m=0
